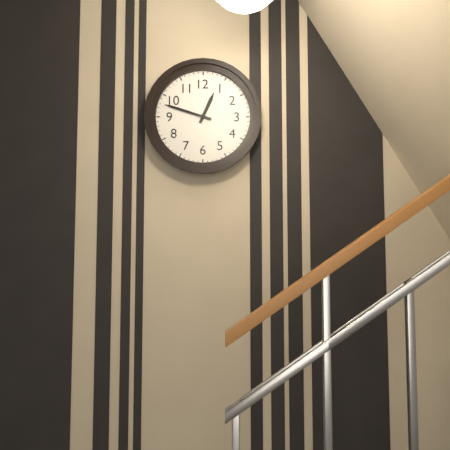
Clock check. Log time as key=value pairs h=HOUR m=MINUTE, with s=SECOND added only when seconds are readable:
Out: h=12 m=48
